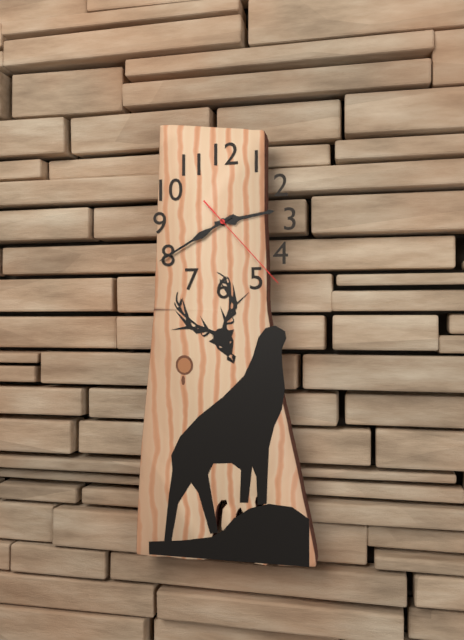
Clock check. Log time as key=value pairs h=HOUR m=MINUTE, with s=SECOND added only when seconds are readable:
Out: h=2 m=40 s=23
